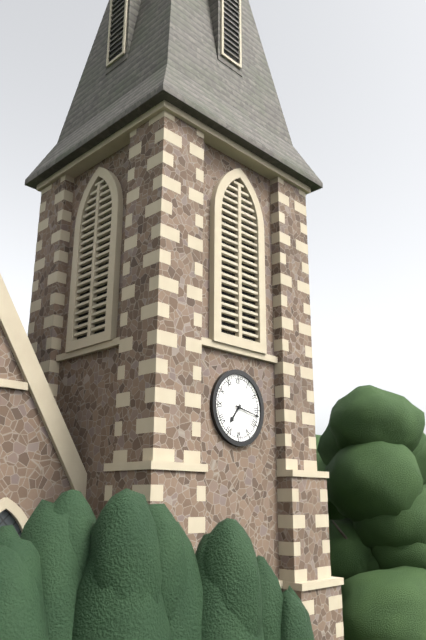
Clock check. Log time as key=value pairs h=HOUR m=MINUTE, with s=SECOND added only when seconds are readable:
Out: h=7 m=17
